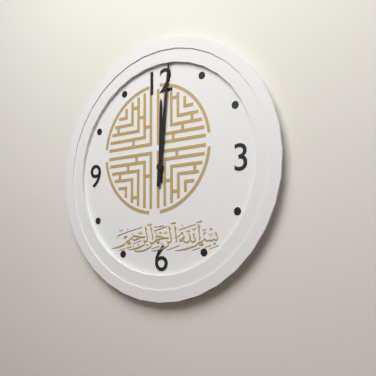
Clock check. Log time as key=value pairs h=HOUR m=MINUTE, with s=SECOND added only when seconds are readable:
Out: h=12 m=1
